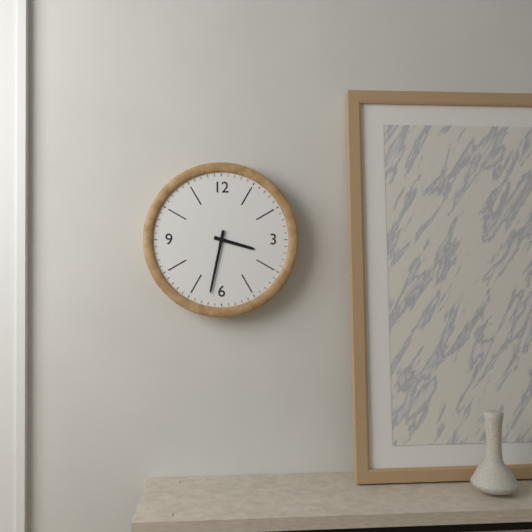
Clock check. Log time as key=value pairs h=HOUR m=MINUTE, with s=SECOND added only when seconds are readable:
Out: h=3 m=32
